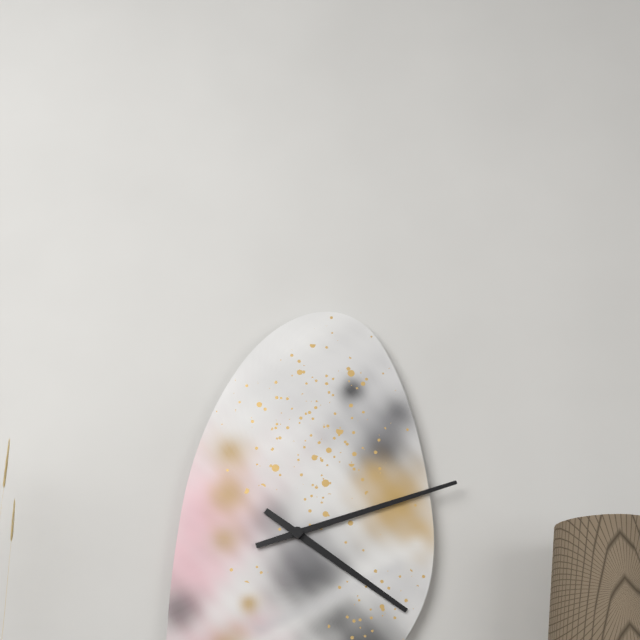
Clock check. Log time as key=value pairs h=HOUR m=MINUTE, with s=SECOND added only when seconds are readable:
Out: h=4 m=12
